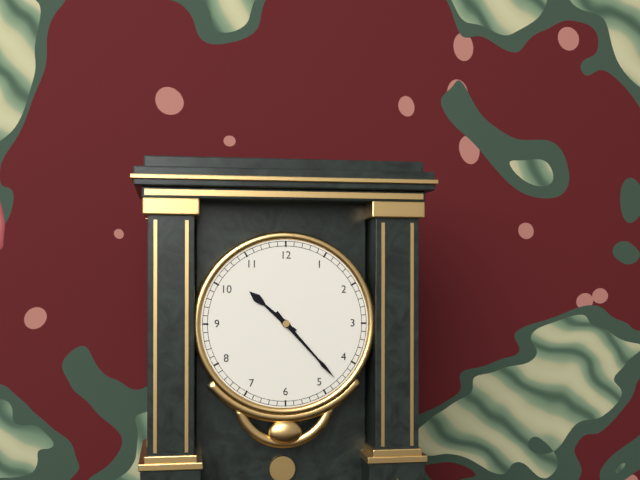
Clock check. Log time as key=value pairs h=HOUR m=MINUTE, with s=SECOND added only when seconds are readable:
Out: h=10 m=23
